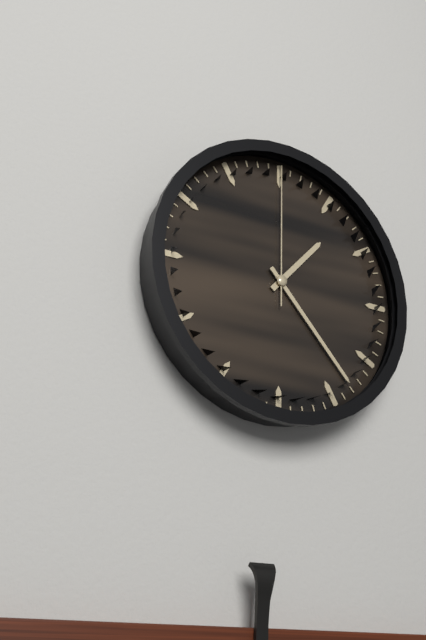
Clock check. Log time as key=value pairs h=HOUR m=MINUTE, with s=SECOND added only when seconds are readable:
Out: h=1 m=23 s=0
